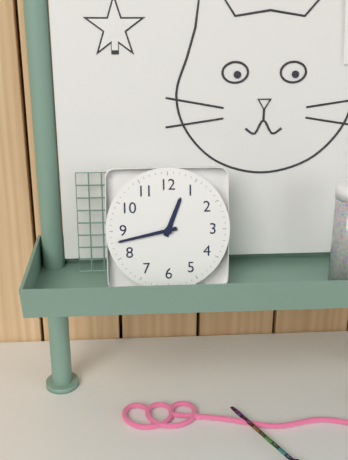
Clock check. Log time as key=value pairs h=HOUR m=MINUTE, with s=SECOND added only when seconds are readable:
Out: h=12 m=43
